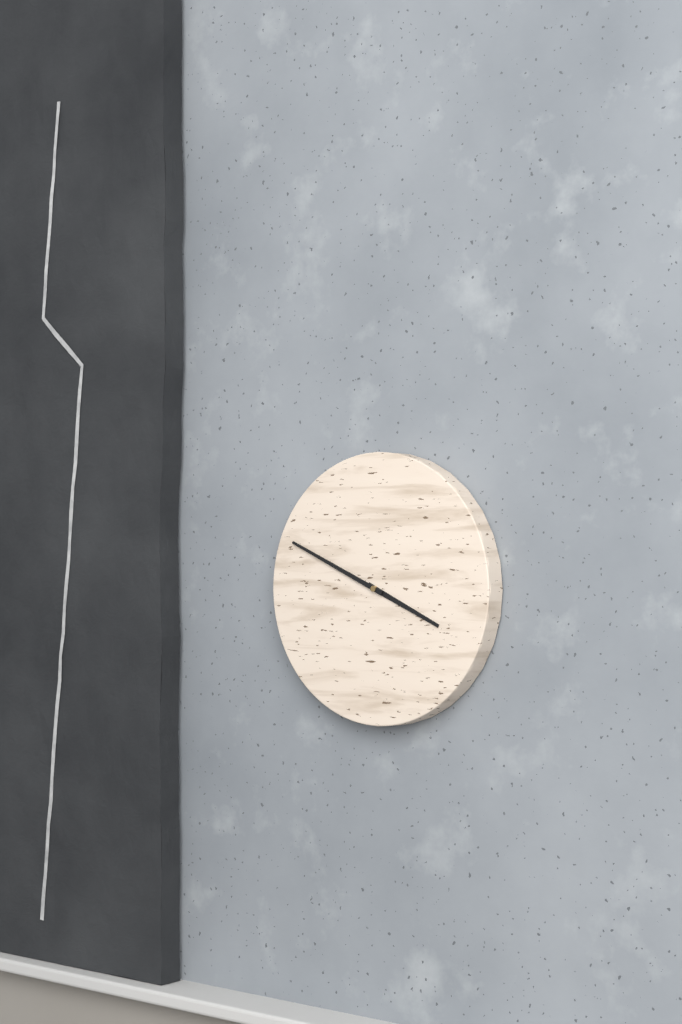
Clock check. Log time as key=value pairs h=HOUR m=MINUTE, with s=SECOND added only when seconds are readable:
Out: h=3 m=49
